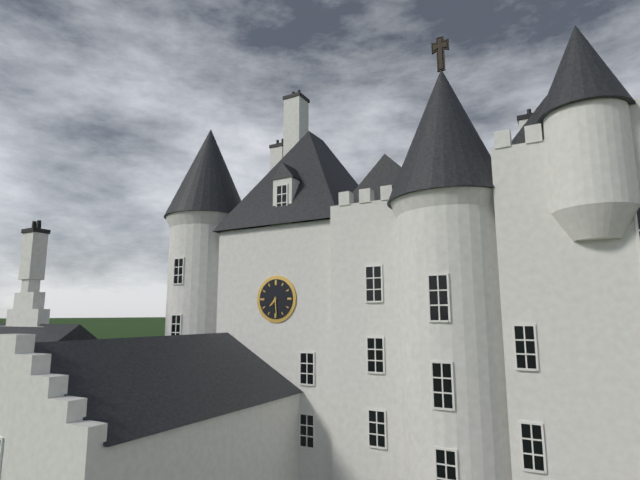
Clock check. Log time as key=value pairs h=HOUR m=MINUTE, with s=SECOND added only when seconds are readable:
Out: h=7 m=29
